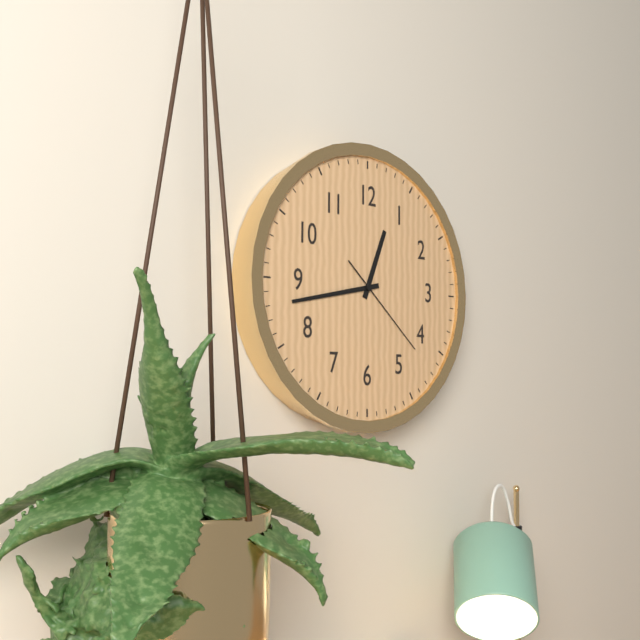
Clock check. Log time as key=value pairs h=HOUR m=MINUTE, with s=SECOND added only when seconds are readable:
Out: h=12 m=43 s=22
